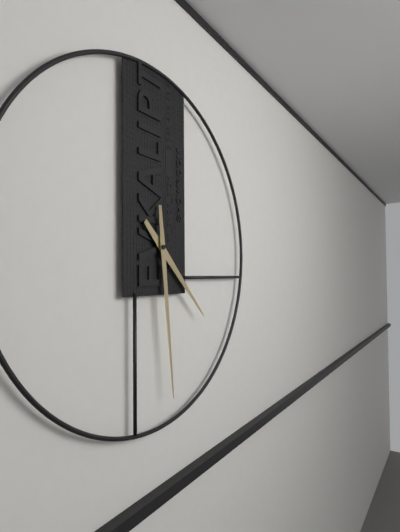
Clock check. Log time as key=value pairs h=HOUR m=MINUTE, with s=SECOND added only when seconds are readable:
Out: h=4 m=29
